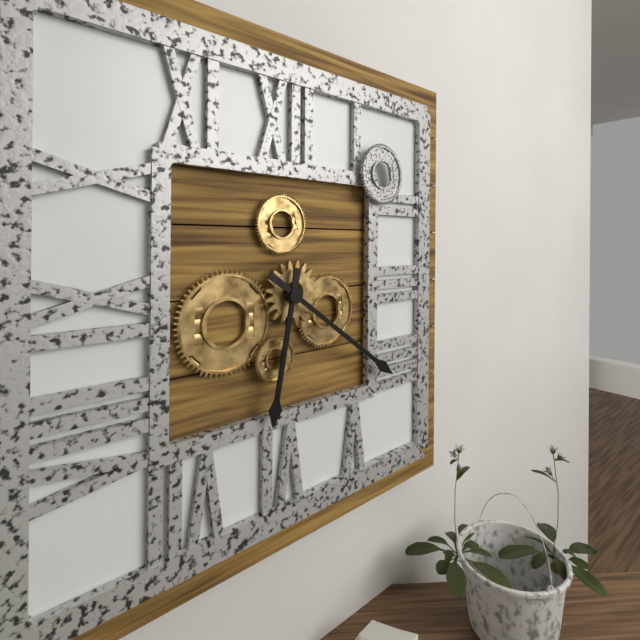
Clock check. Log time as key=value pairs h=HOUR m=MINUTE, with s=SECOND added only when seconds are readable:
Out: h=6 m=21
